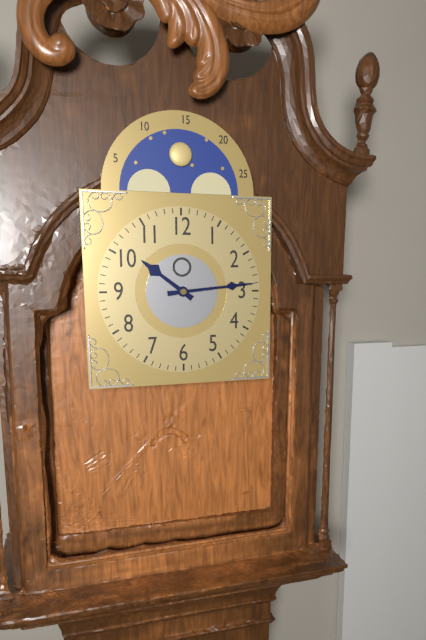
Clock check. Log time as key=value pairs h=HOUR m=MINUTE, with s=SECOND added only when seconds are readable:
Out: h=10 m=14
